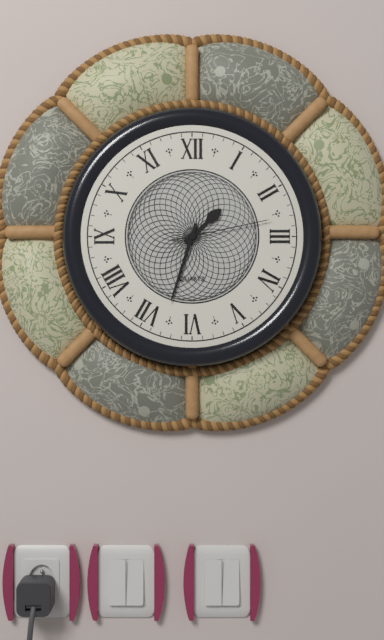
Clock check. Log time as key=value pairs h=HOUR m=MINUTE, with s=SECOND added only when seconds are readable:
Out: h=1 m=33 s=13
